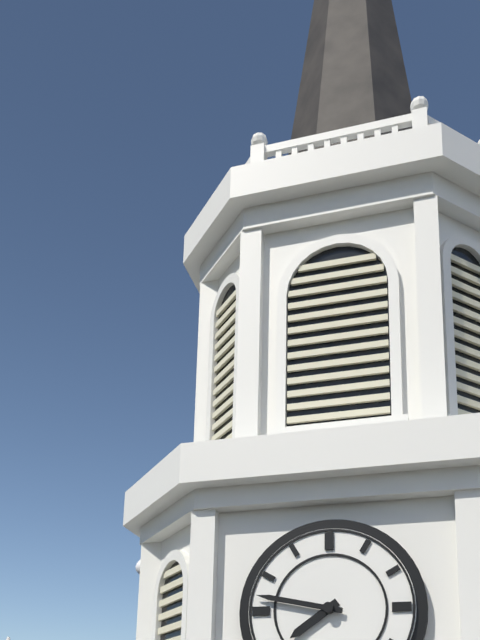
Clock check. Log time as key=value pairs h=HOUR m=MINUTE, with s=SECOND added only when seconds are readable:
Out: h=7 m=47
